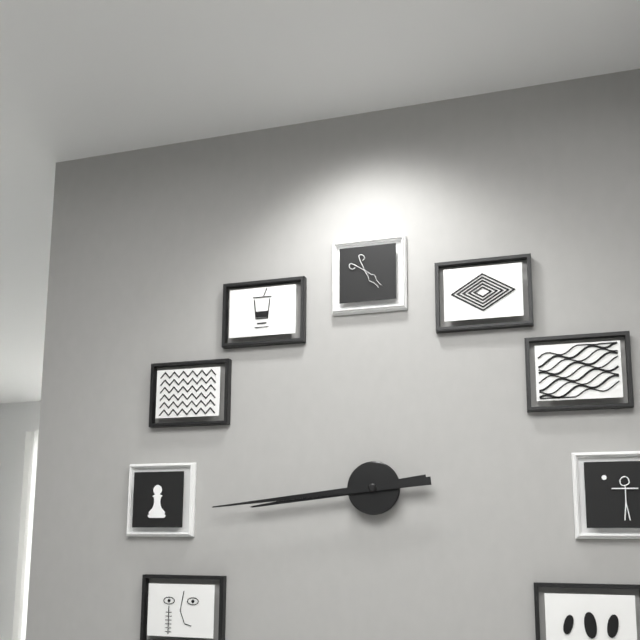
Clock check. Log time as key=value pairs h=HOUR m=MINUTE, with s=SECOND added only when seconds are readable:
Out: h=8 m=44
